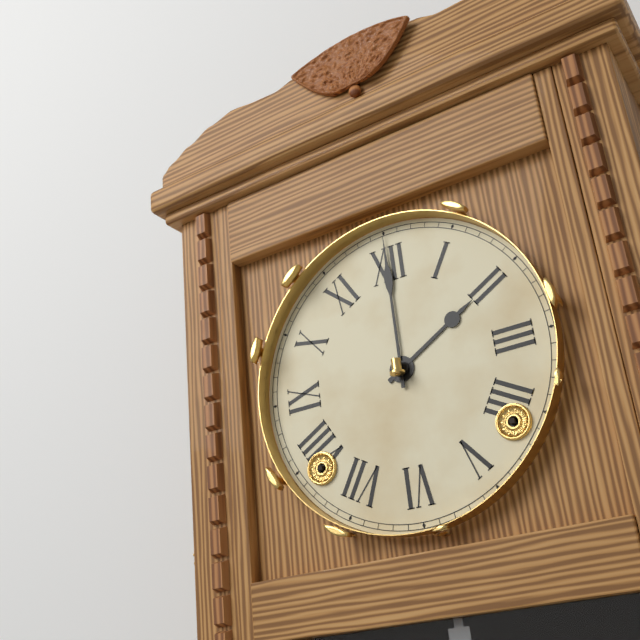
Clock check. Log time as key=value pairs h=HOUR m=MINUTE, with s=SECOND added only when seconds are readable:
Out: h=2 m=0
